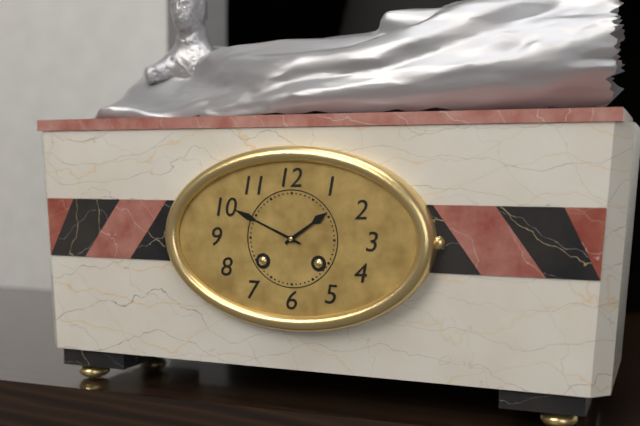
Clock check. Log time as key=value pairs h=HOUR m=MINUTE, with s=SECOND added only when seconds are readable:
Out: h=1 m=49
